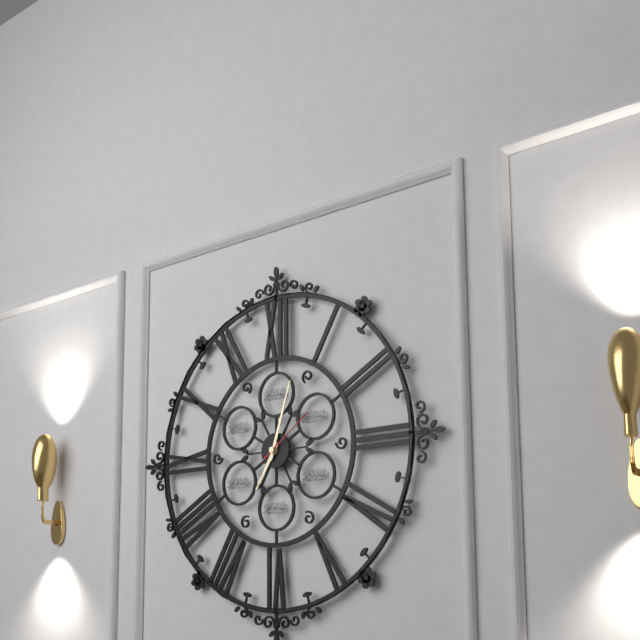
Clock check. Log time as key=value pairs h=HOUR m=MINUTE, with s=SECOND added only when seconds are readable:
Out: h=7 m=3 s=9
